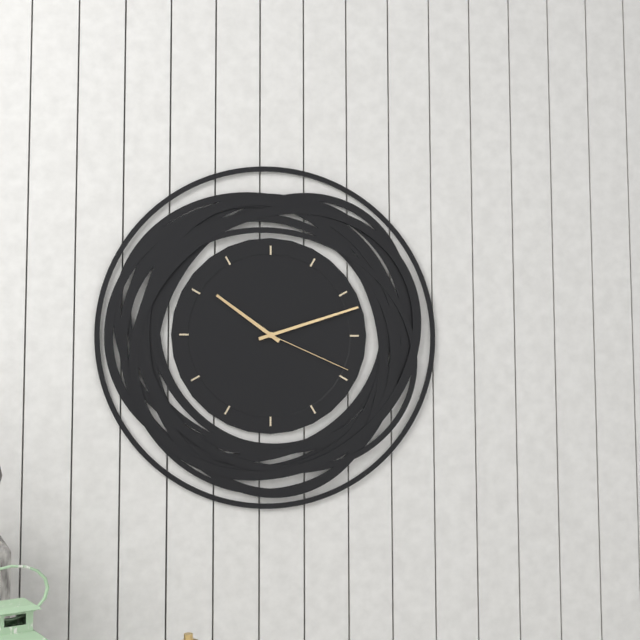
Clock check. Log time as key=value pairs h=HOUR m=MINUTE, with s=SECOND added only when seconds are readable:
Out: h=10 m=12 s=19
